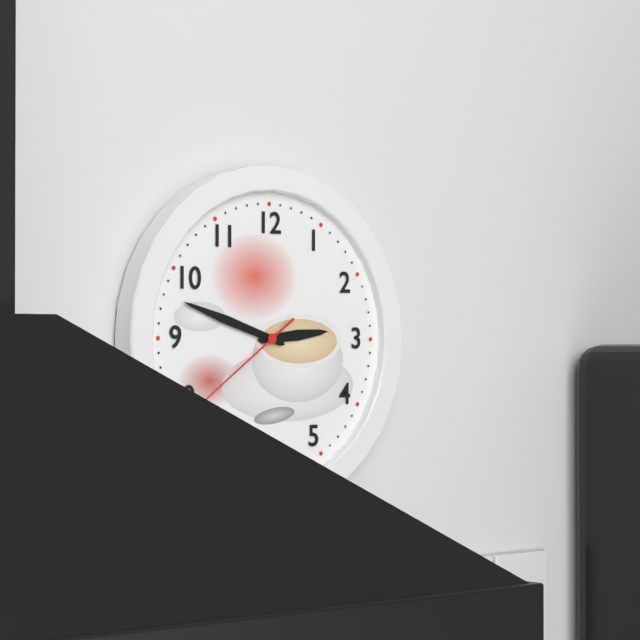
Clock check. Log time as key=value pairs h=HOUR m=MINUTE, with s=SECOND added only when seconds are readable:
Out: h=2 m=48 s=39
